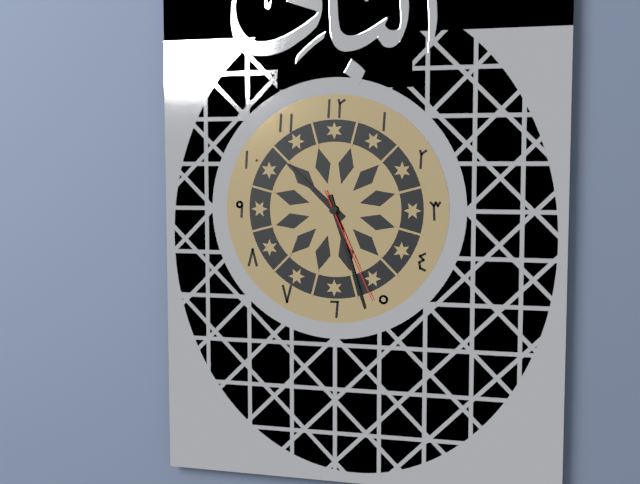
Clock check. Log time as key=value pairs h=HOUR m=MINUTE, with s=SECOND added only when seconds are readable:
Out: h=10 m=27 s=26
